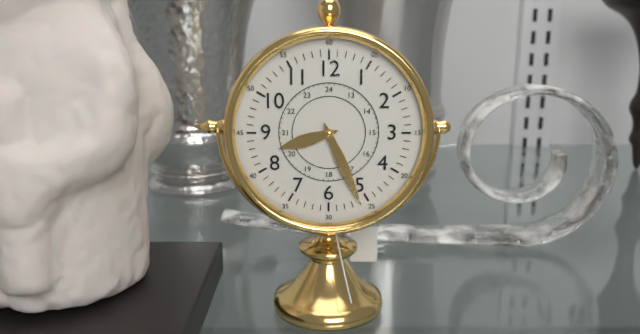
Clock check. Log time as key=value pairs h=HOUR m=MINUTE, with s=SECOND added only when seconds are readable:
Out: h=8 m=26
